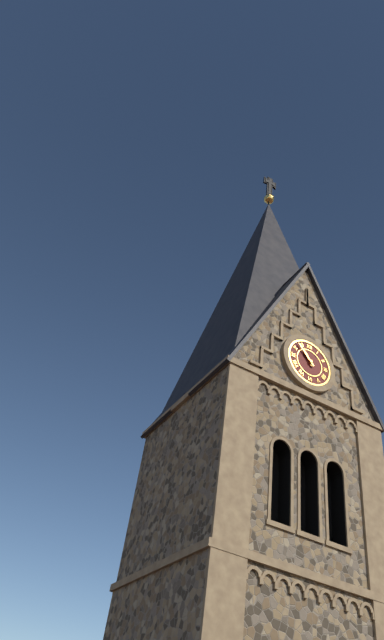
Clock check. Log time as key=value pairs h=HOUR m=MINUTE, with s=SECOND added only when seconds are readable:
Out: h=10 m=53
